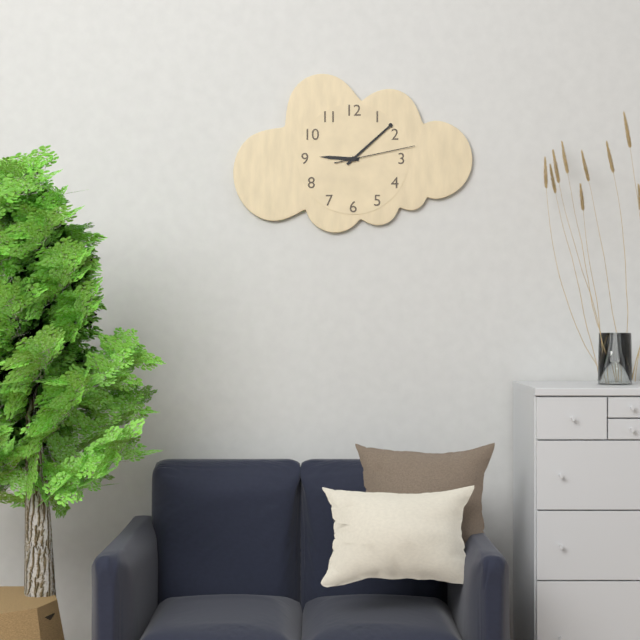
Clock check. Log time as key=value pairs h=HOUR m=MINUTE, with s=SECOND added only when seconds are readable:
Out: h=9 m=8 s=13
